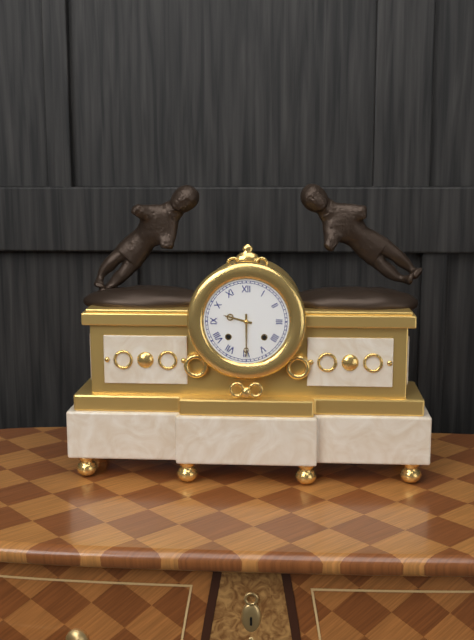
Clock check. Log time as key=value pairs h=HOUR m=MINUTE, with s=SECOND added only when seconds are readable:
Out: h=9 m=30
